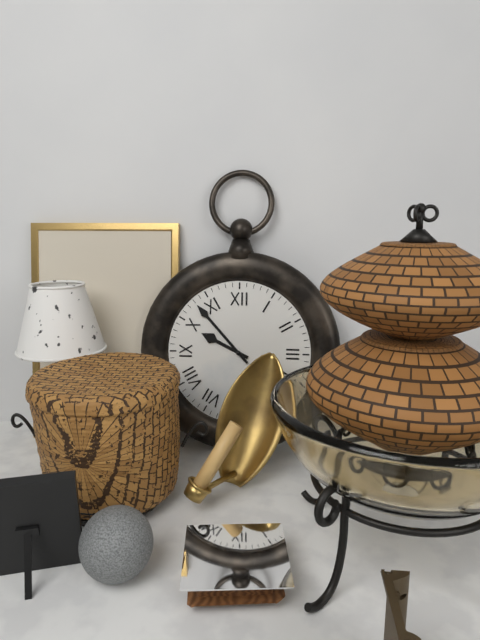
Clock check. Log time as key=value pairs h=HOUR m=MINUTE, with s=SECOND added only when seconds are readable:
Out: h=9 m=53
